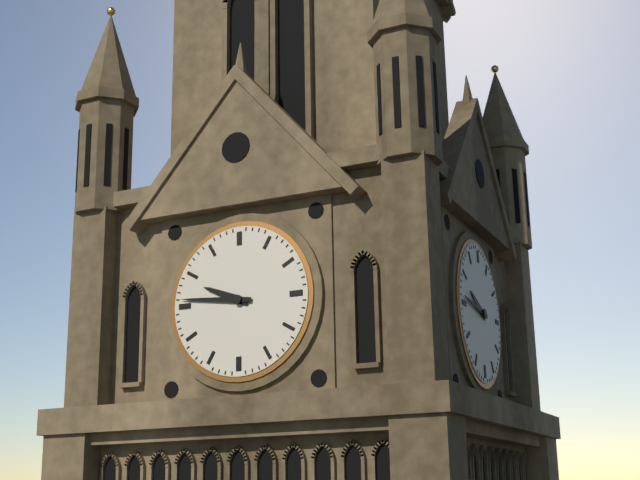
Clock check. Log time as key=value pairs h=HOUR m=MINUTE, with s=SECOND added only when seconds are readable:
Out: h=9 m=46
